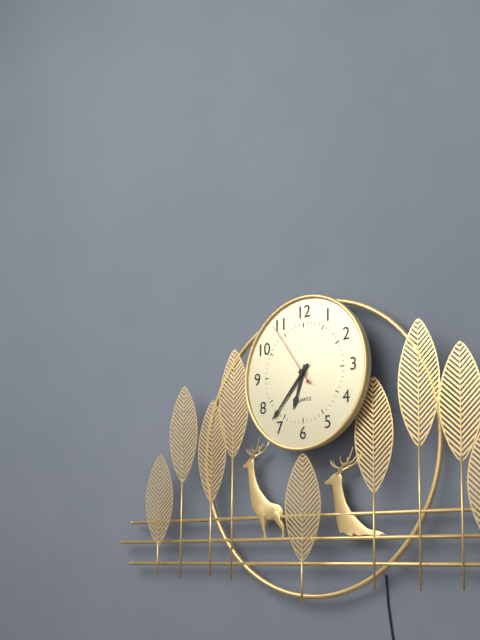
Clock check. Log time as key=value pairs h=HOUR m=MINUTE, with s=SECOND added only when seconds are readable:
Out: h=6 m=37 s=54
